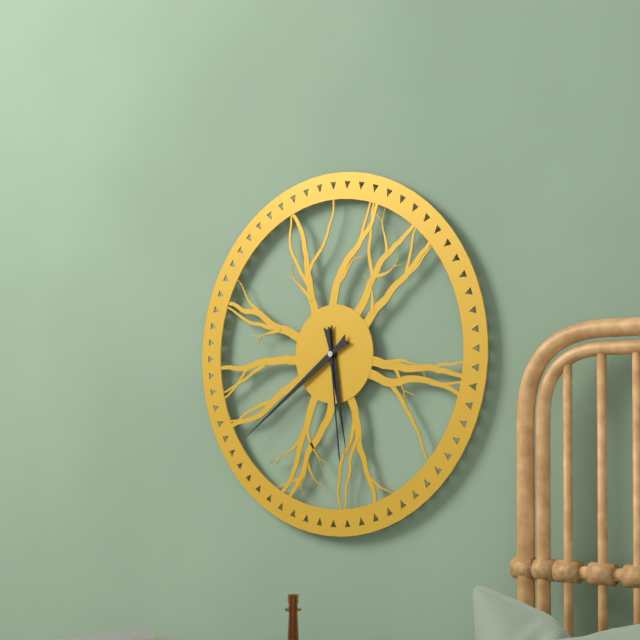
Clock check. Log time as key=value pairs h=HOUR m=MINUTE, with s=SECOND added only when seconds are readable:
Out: h=5 m=39 s=29
